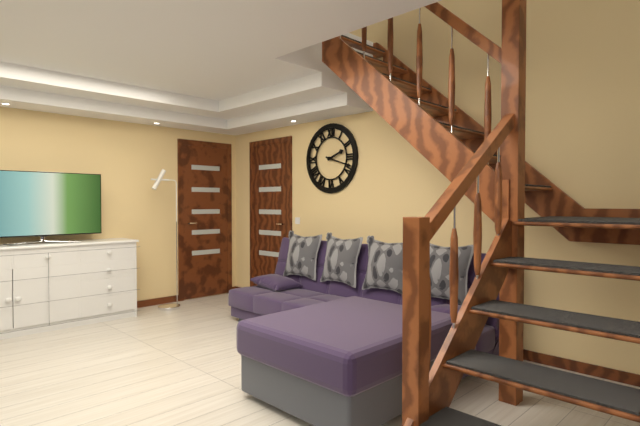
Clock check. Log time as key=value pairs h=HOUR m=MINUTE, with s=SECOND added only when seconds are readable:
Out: h=2 m=18
